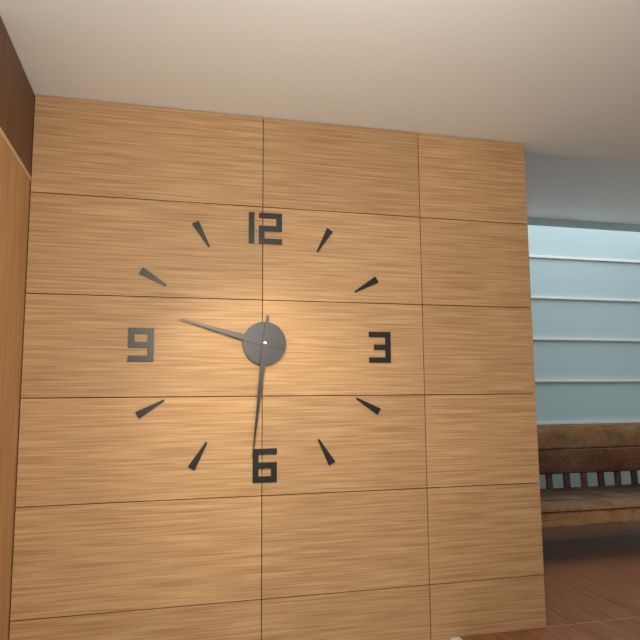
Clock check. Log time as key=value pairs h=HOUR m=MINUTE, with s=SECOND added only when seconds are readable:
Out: h=9 m=31
